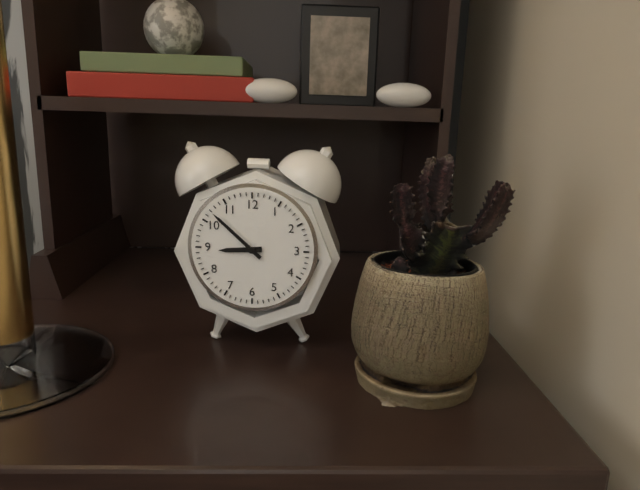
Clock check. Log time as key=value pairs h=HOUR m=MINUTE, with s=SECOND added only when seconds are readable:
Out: h=8 m=52
